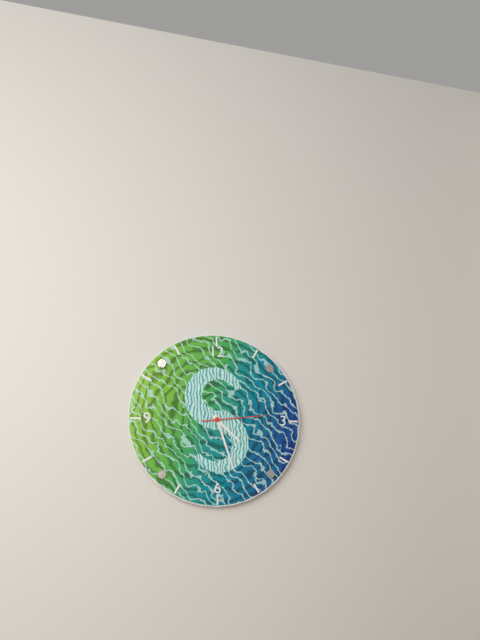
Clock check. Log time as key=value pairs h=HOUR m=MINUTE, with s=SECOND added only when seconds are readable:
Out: h=4 m=27 s=14
